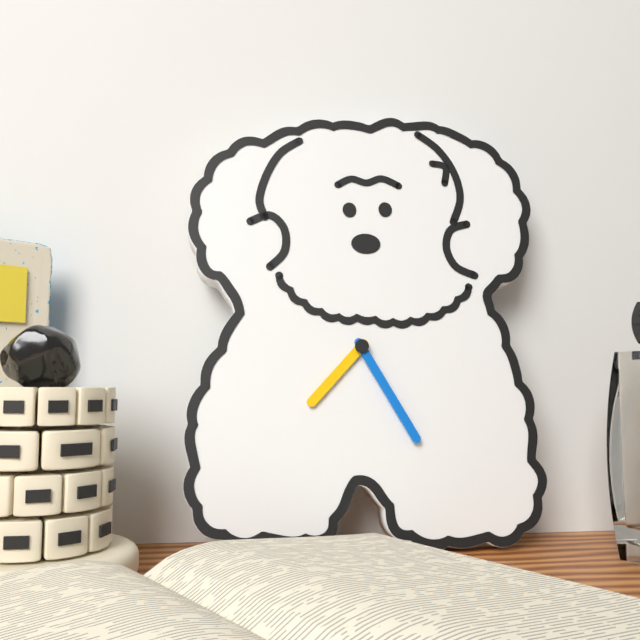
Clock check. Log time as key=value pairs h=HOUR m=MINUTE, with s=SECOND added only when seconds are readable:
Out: h=7 m=25
